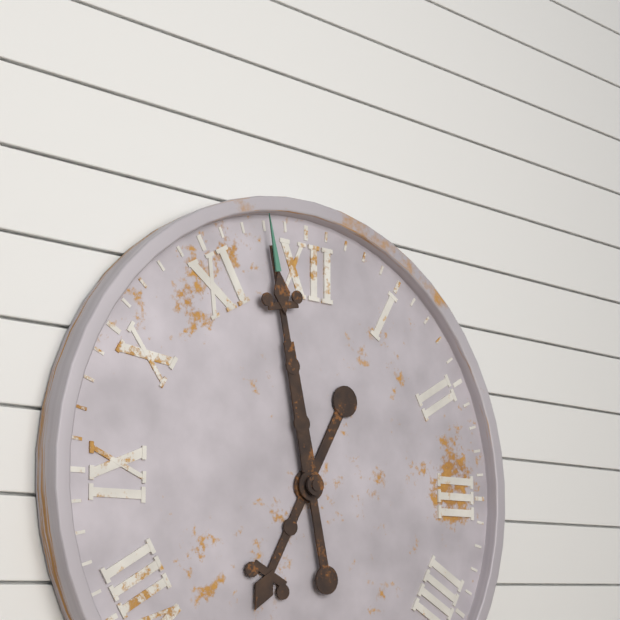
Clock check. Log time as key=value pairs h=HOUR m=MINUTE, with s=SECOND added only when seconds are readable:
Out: h=6 m=58
